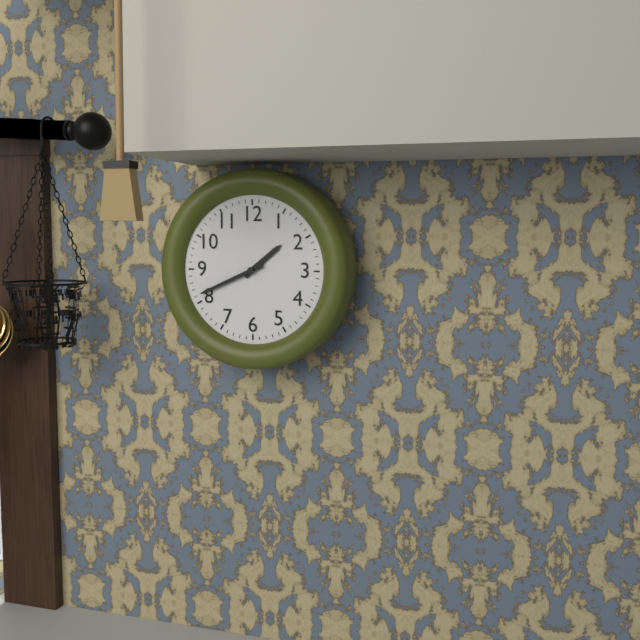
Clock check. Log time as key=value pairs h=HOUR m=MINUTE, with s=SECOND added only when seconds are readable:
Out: h=1 m=41
